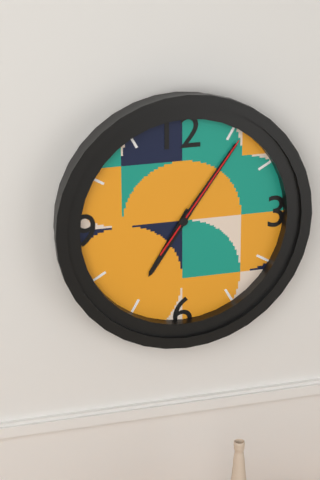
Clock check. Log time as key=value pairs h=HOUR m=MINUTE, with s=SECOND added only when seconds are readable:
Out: h=7 m=6 s=6
